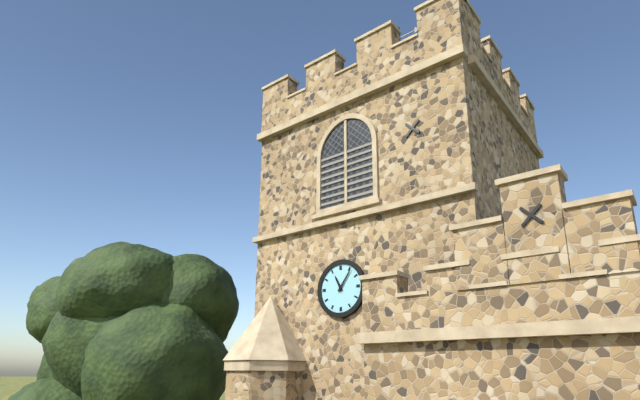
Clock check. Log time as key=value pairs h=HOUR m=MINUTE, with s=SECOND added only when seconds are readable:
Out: h=11 m=6
